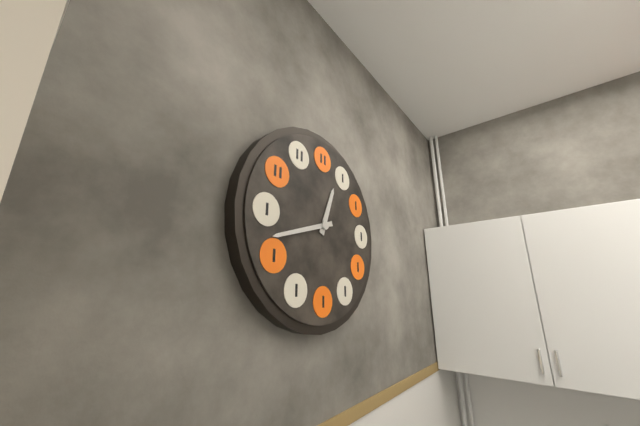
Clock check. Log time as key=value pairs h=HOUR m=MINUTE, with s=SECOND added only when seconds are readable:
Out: h=12 m=42
